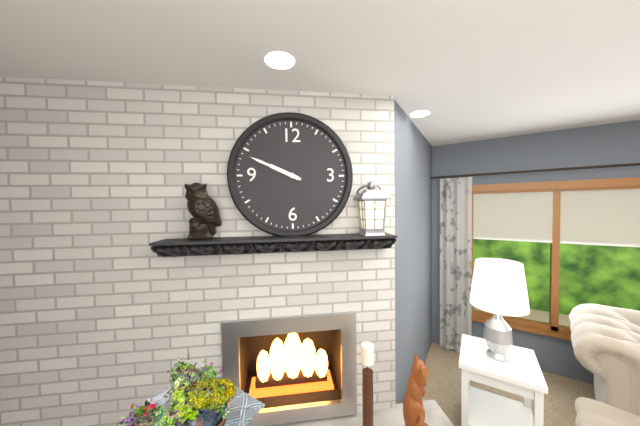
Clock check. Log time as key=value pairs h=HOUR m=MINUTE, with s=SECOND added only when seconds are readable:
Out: h=9 m=49
